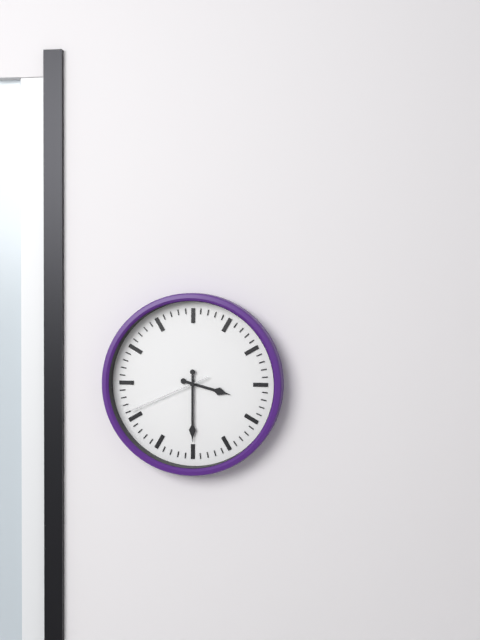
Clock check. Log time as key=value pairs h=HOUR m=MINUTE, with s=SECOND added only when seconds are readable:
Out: h=3 m=30 s=41
